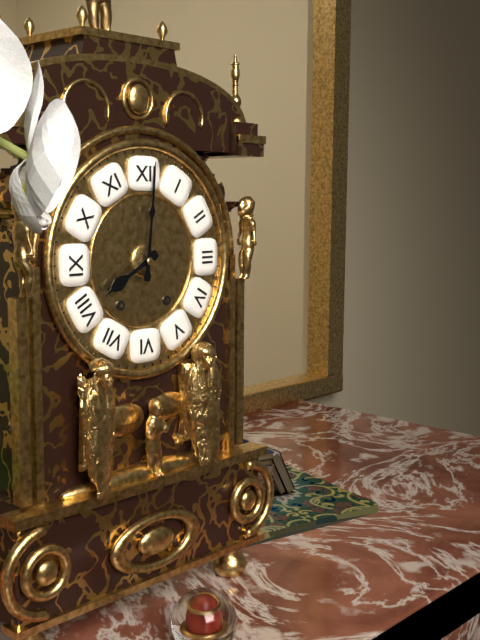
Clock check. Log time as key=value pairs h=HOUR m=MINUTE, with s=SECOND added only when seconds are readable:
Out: h=8 m=1
